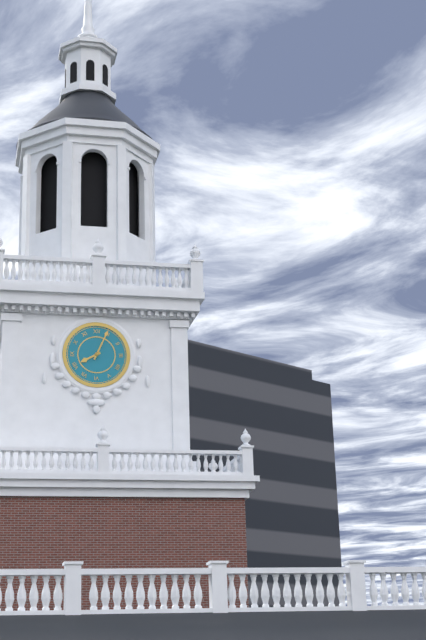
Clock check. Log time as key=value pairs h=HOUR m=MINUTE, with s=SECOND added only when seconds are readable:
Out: h=8 m=4
